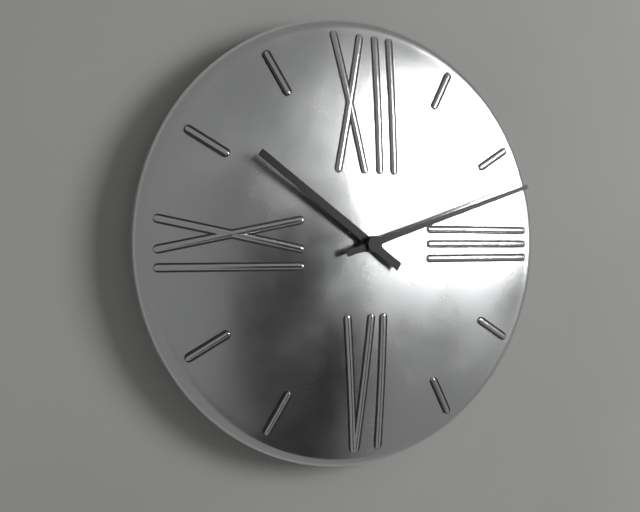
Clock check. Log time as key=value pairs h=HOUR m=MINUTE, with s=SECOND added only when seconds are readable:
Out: h=10 m=12
